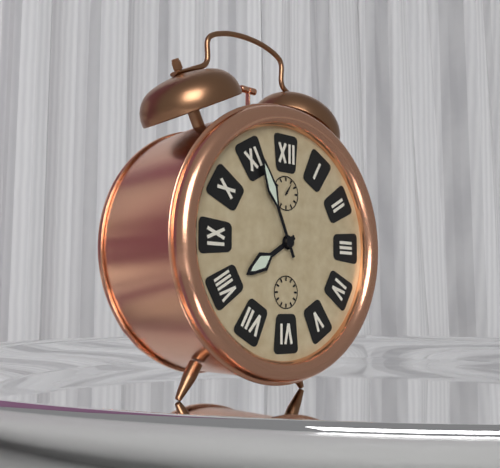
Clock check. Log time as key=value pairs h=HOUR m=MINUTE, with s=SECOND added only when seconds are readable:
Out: h=7 m=56
